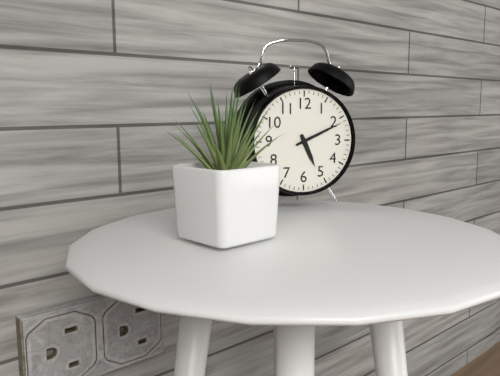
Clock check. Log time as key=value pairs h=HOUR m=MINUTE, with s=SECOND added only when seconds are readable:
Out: h=5 m=11
